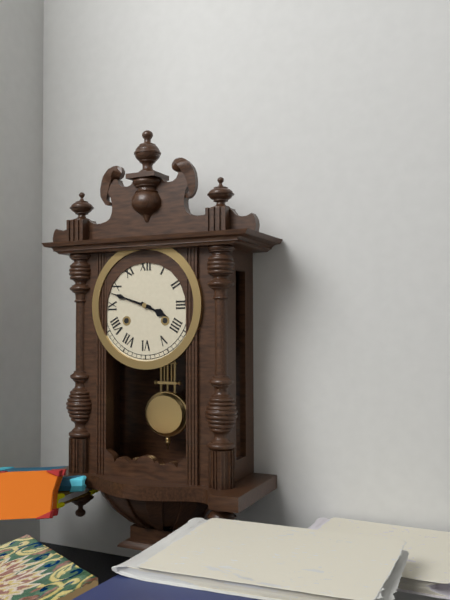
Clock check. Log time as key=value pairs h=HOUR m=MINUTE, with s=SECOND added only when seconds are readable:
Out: h=3 m=48
